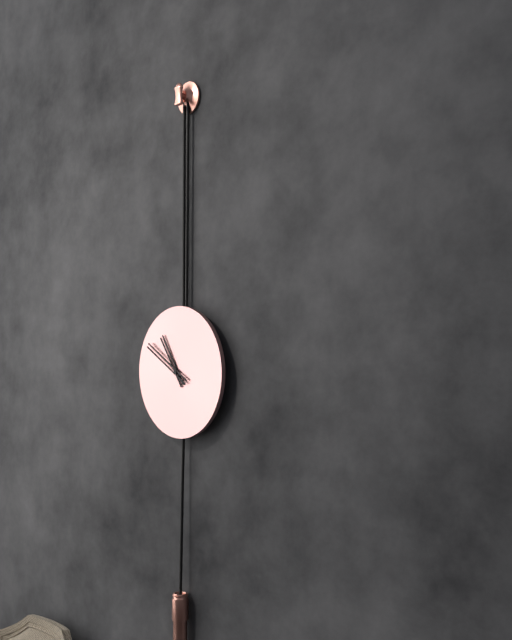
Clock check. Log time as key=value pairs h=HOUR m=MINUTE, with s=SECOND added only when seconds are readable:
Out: h=10 m=50
